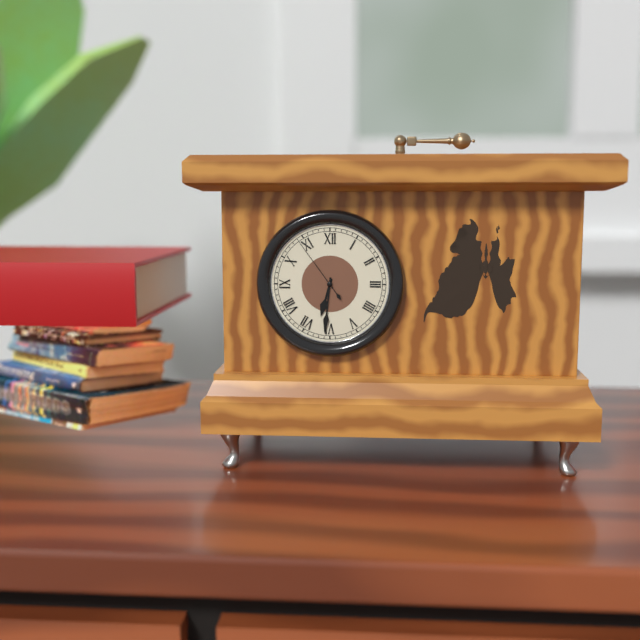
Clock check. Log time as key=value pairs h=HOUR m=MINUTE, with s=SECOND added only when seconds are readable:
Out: h=6 m=31 s=54
